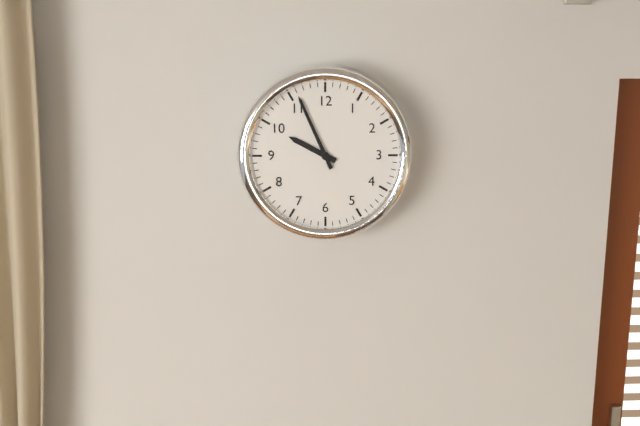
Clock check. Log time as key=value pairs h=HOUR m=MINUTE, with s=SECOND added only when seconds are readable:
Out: h=9 m=56
